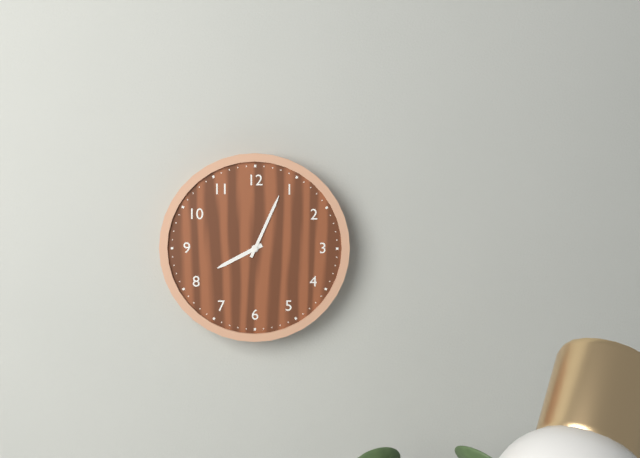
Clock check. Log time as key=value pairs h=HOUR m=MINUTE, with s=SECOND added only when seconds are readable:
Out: h=8 m=4
